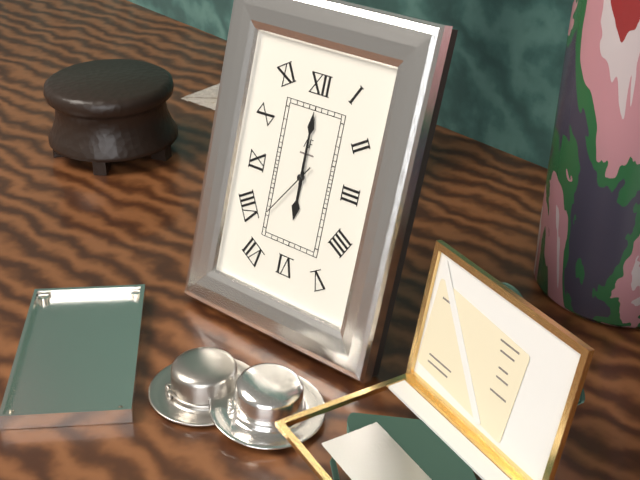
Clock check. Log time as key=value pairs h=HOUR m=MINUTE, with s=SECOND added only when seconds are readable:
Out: h=6 m=0 s=36
